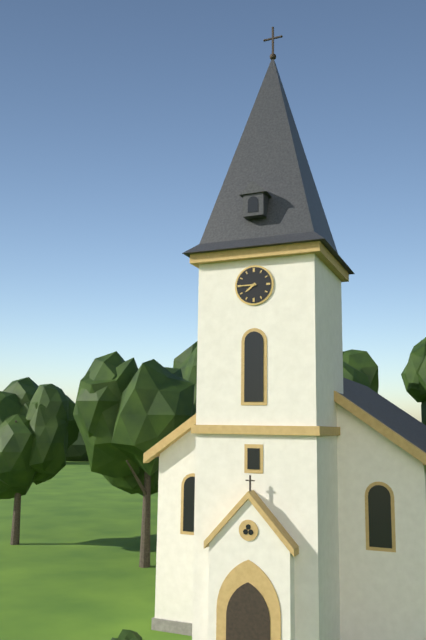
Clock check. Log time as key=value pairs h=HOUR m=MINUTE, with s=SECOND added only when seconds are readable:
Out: h=7 m=45
